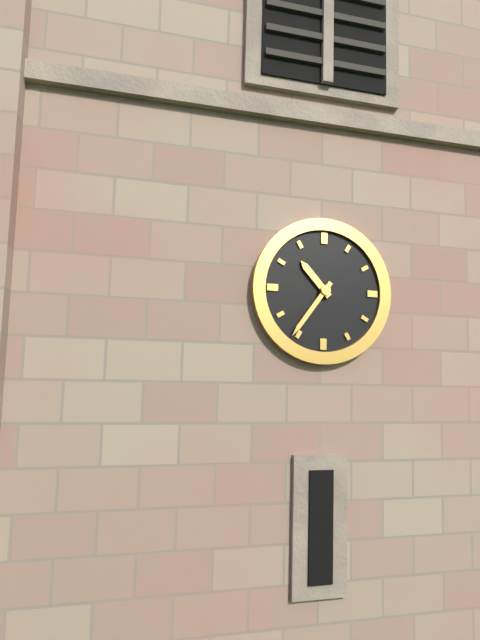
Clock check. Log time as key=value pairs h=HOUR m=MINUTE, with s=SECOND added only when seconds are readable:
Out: h=10 m=36
